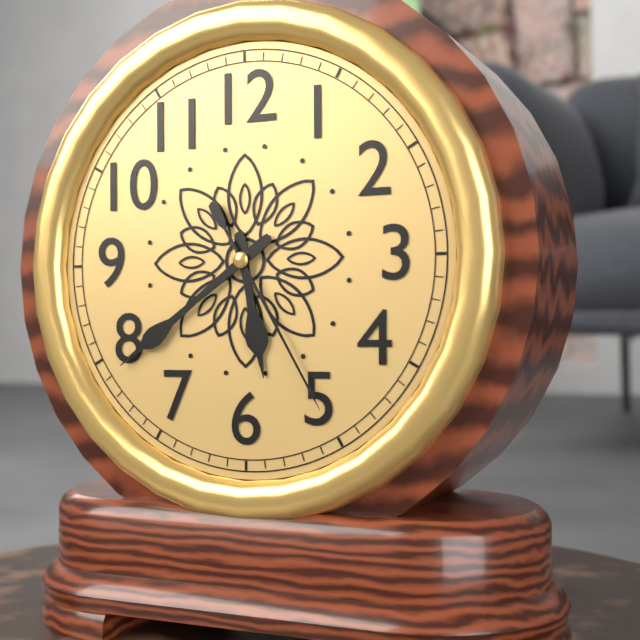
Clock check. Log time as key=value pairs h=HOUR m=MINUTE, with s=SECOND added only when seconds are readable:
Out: h=5 m=39 s=25
